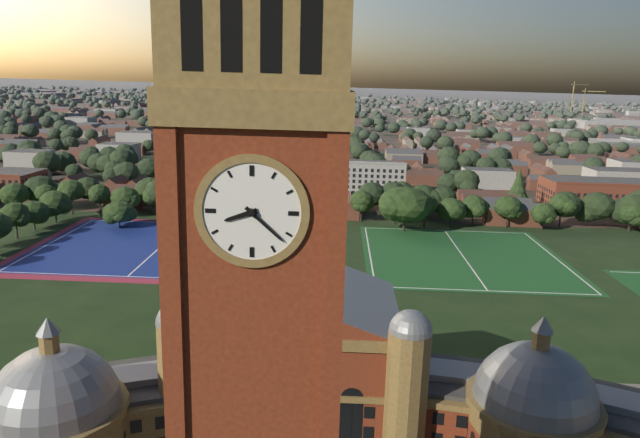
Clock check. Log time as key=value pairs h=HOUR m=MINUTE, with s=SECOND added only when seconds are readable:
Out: h=8 m=22
